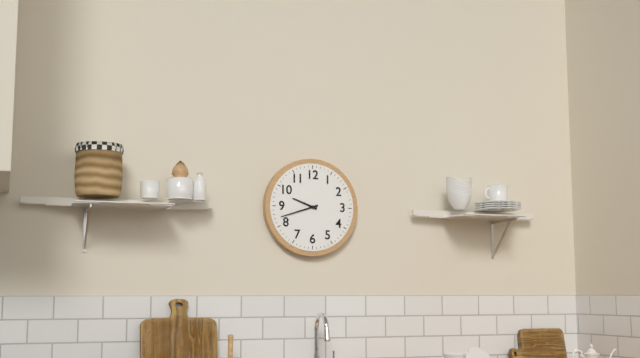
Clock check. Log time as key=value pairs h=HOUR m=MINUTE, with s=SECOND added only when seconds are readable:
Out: h=9 m=42
